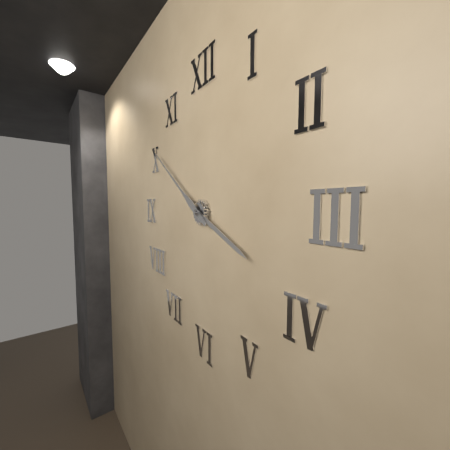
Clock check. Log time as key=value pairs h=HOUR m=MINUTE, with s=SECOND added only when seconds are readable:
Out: h=3 m=51
